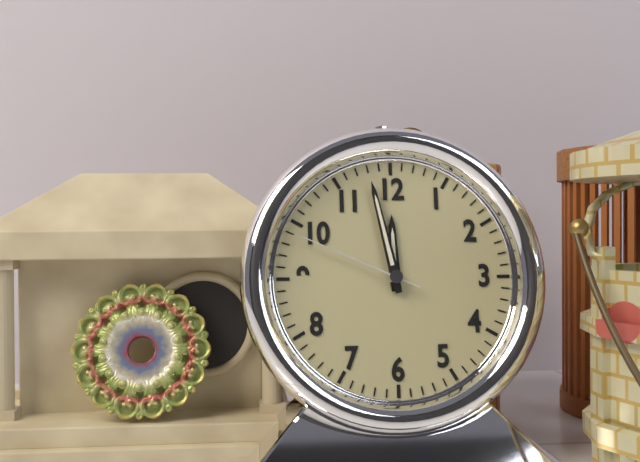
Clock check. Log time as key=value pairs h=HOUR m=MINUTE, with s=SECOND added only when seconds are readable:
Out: h=11 m=58 s=49
